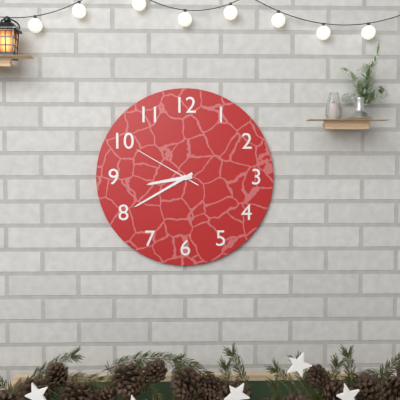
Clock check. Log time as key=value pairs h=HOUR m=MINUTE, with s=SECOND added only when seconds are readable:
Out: h=8 m=40 s=50
